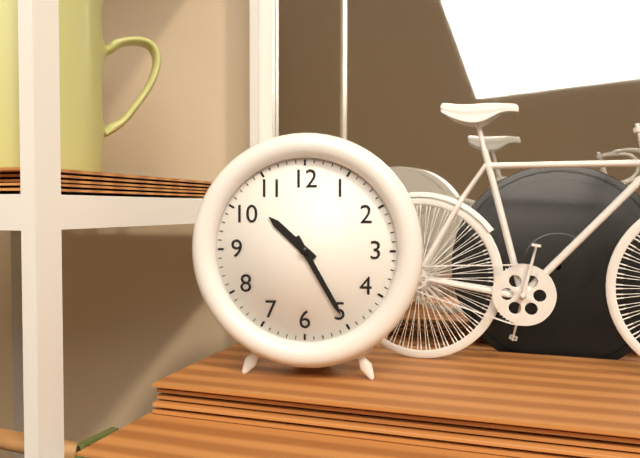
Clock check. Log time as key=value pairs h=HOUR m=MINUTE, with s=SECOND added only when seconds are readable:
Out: h=10 m=25
